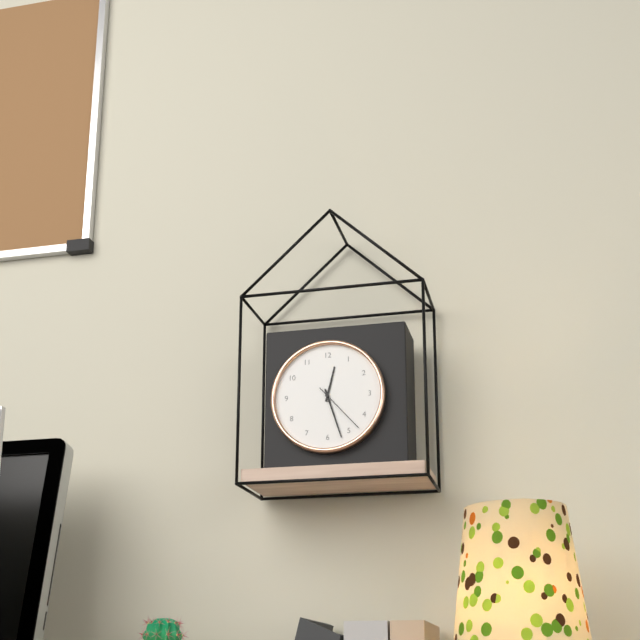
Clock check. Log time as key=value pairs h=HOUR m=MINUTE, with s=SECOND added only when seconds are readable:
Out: h=12 m=27 s=23
